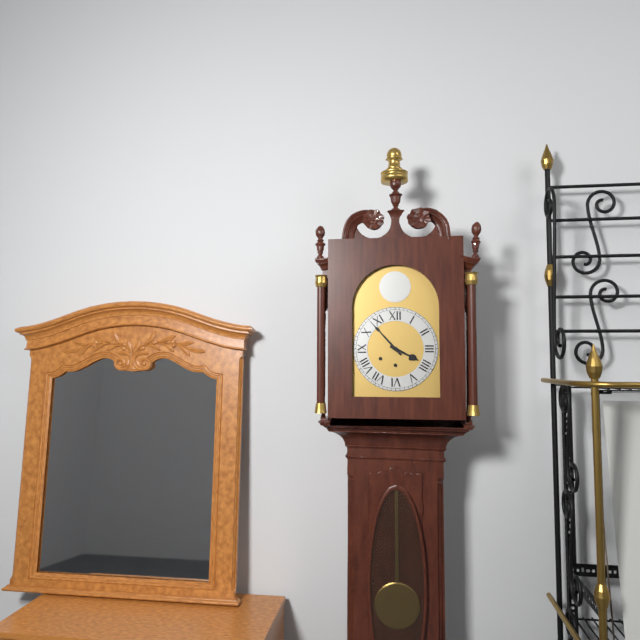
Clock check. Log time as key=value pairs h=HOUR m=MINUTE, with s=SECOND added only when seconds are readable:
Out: h=3 m=53
